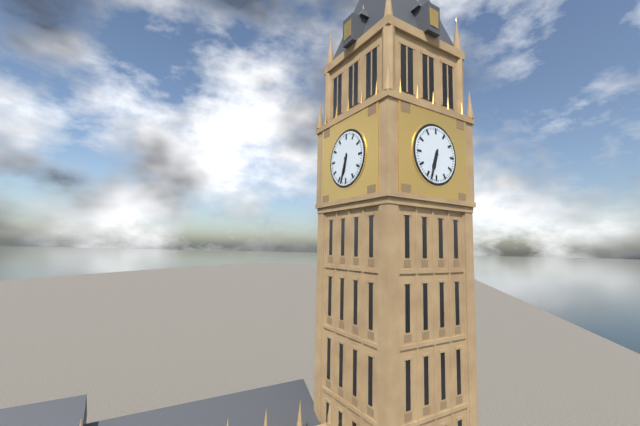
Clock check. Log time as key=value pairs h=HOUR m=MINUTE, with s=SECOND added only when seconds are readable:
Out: h=6 m=33
